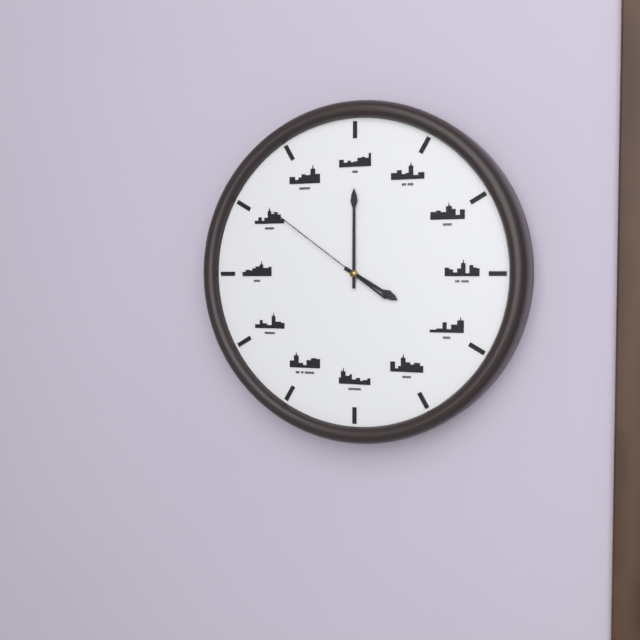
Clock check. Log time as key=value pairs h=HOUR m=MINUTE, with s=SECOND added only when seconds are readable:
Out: h=4 m=0 s=51
